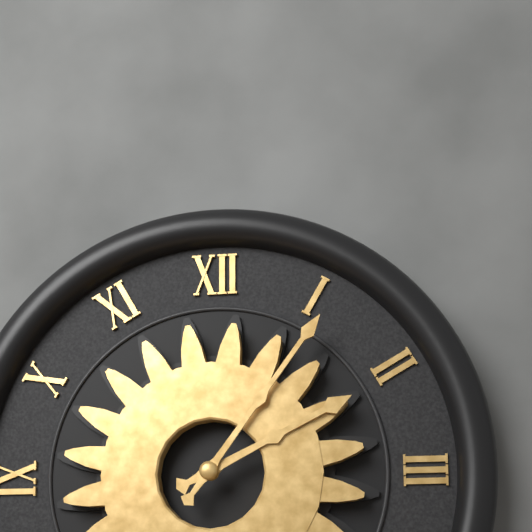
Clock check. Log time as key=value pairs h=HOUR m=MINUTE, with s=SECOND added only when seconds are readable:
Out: h=2 m=6
